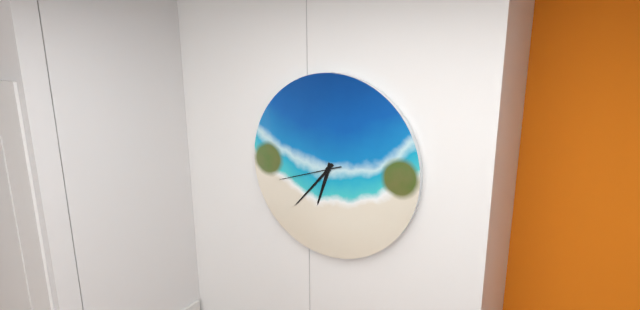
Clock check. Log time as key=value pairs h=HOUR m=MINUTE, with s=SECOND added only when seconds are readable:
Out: h=6 m=37 s=42
